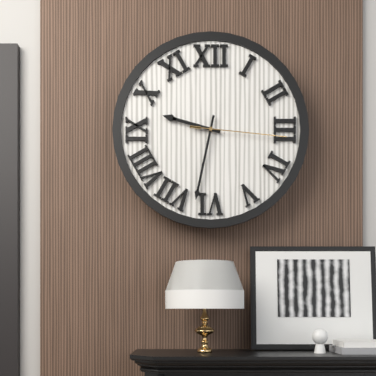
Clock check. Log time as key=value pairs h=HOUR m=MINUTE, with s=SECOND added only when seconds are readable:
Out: h=9 m=32 s=16
